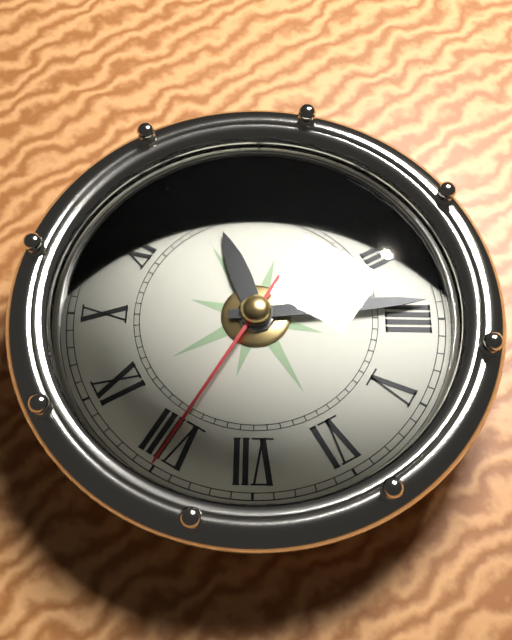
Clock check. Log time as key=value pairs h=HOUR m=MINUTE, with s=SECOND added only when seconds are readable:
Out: h=12 m=19 s=40
